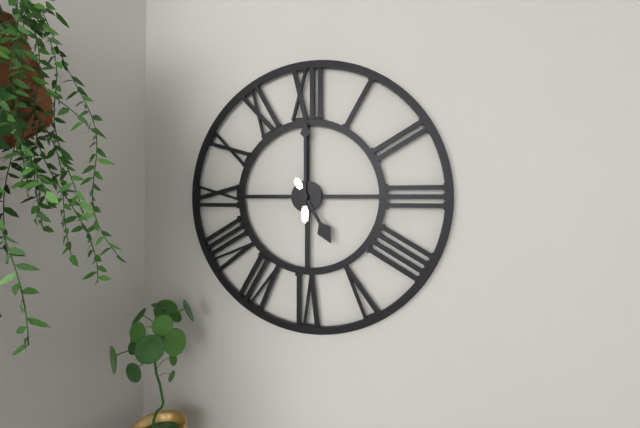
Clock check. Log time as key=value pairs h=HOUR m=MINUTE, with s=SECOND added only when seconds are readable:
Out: h=5 m=0
